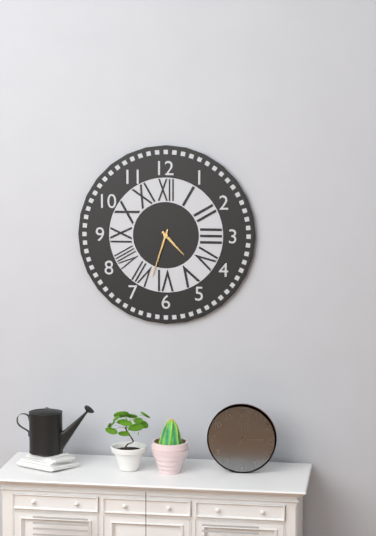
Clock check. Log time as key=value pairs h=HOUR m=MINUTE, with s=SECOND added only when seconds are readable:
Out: h=4 m=33
